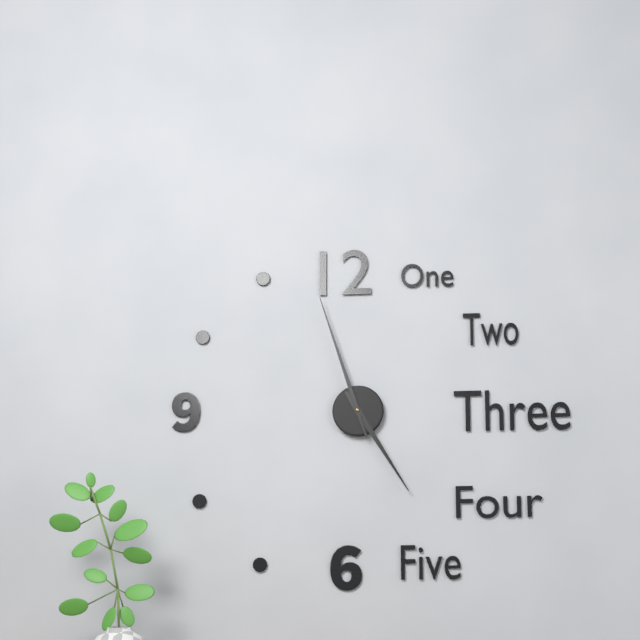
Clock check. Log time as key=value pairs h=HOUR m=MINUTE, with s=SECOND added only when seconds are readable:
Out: h=4 m=57
